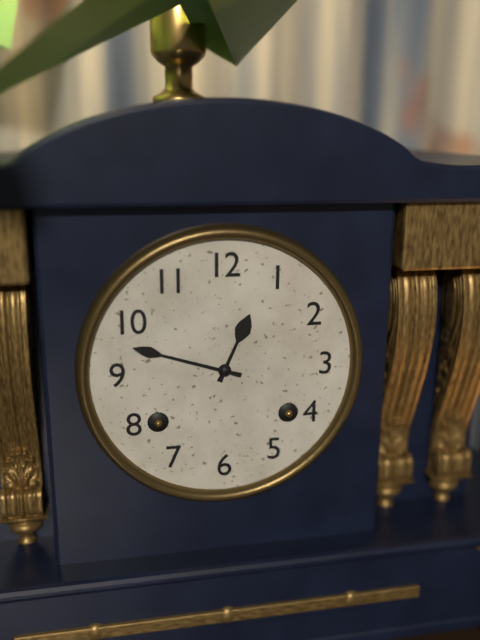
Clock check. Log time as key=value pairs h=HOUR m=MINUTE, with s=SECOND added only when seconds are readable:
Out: h=12 m=48
